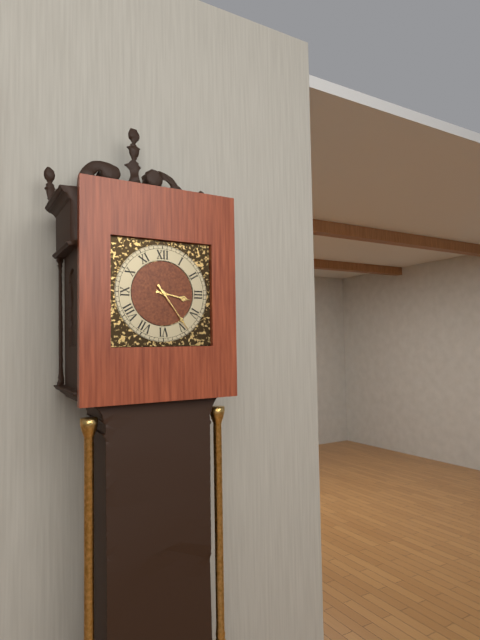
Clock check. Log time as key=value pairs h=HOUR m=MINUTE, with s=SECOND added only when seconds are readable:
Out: h=3 m=24
